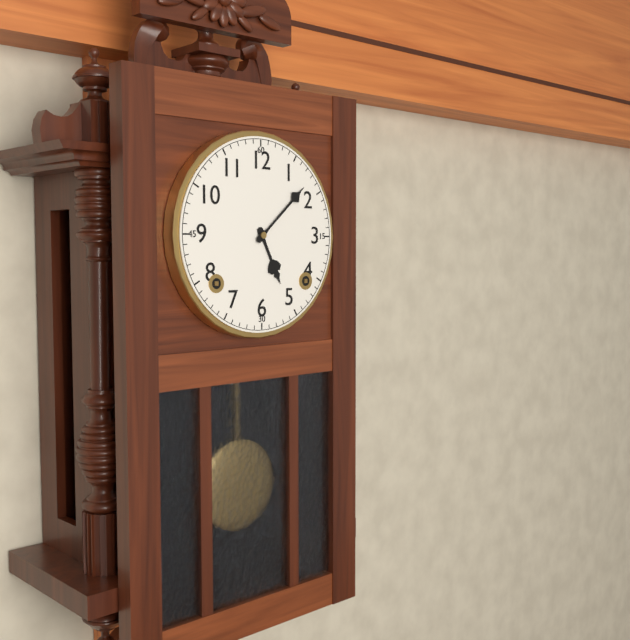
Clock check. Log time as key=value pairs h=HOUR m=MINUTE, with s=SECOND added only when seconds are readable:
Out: h=5 m=8
